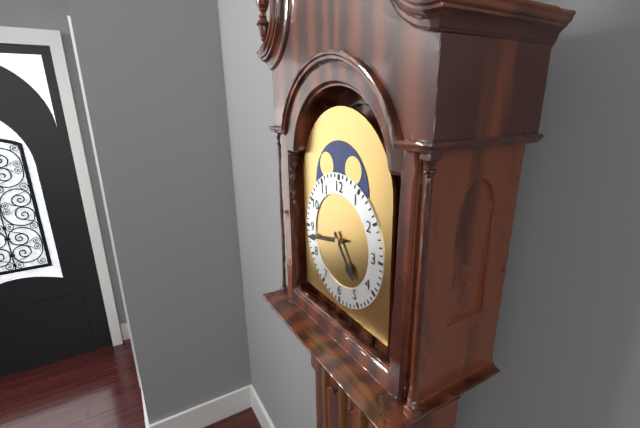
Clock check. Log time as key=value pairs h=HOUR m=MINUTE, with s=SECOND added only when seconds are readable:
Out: h=4 m=43
